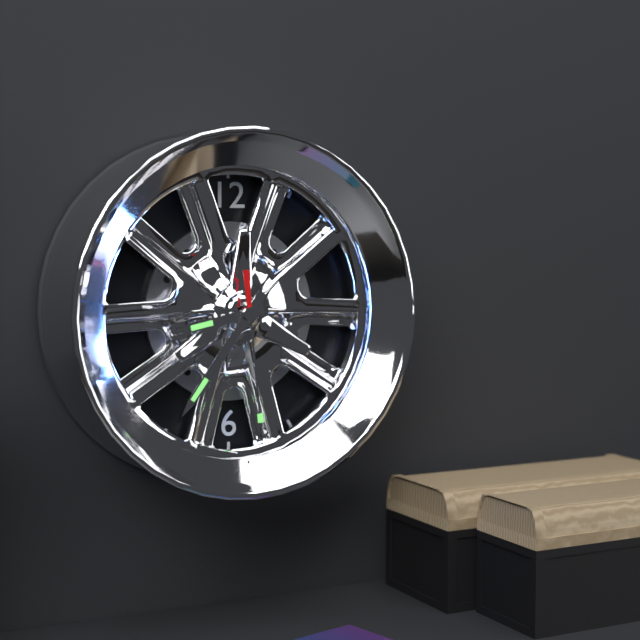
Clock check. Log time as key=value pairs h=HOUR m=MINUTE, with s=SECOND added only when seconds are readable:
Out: h=8 m=36 s=29
